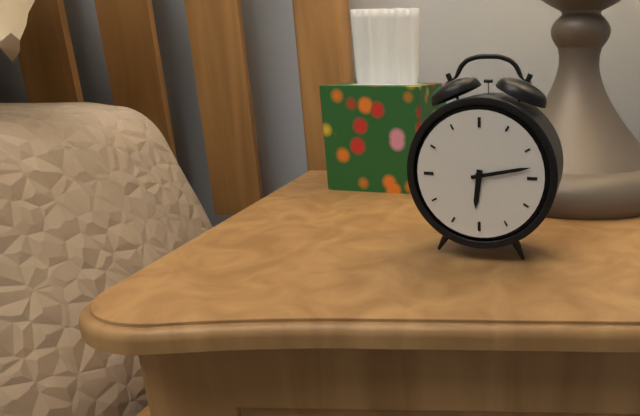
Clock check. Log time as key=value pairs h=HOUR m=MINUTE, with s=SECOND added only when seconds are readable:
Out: h=6 m=13
